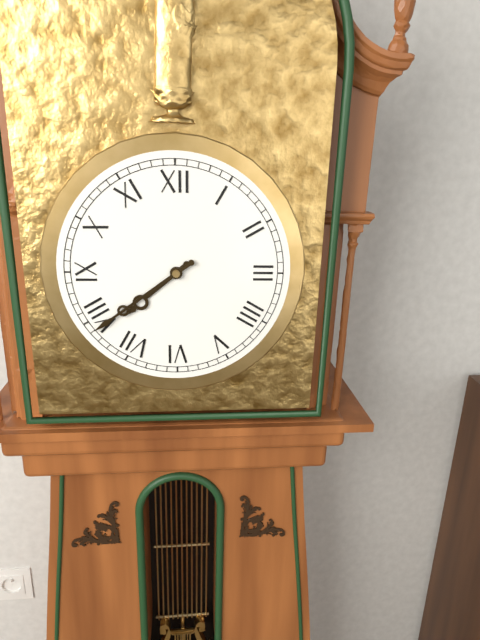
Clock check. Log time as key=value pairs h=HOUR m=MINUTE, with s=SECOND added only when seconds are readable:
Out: h=7 m=39
